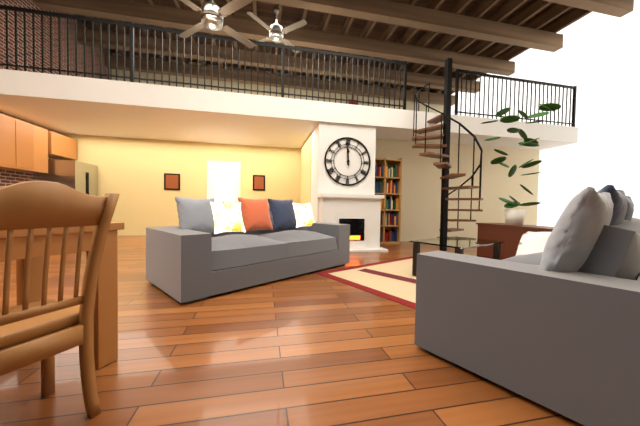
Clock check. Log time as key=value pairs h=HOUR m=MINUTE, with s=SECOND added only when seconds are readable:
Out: h=11 m=59
